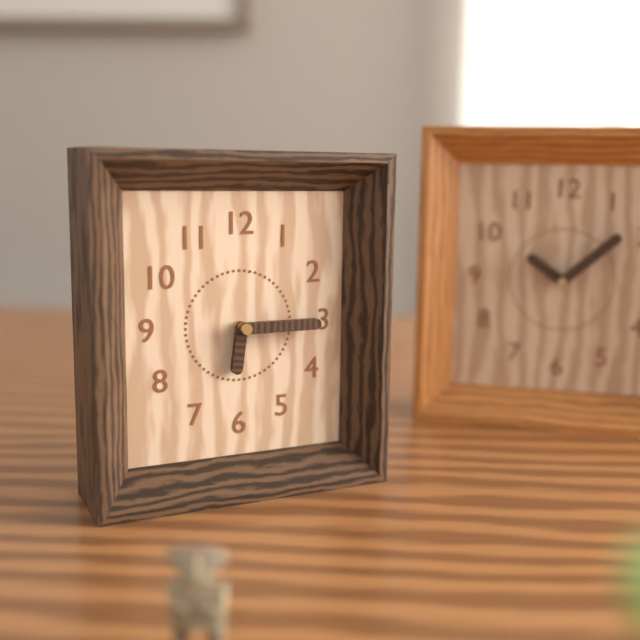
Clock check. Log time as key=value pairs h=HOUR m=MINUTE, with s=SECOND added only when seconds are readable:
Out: h=6 m=15
